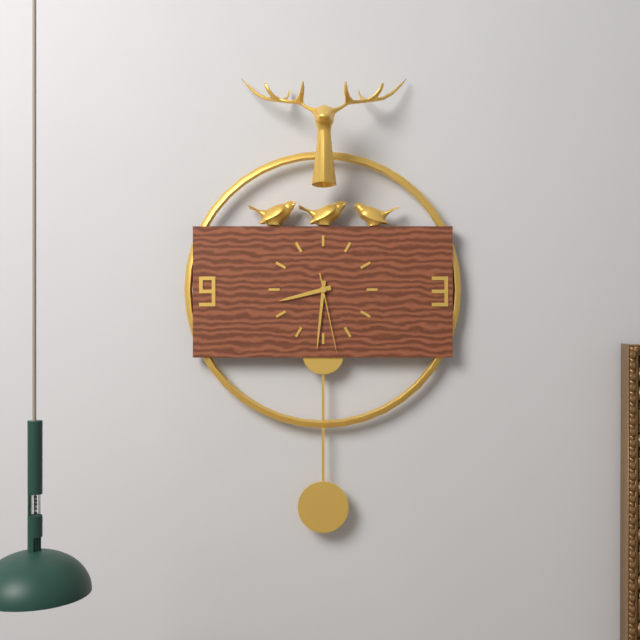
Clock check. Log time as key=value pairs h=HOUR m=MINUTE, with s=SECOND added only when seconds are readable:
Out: h=8 m=31 s=28
